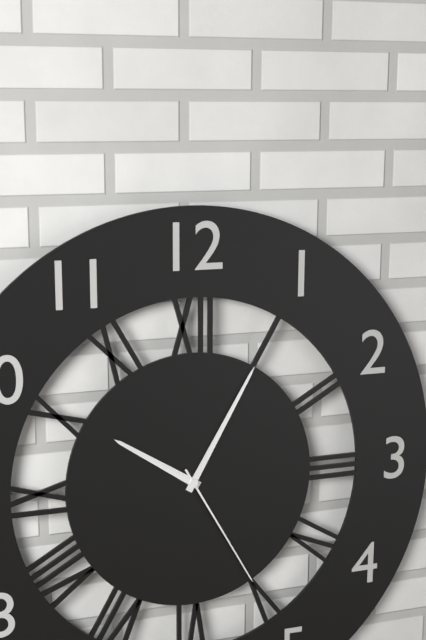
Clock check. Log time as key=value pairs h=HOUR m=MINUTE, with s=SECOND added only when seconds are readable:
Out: h=10 m=5 s=25
